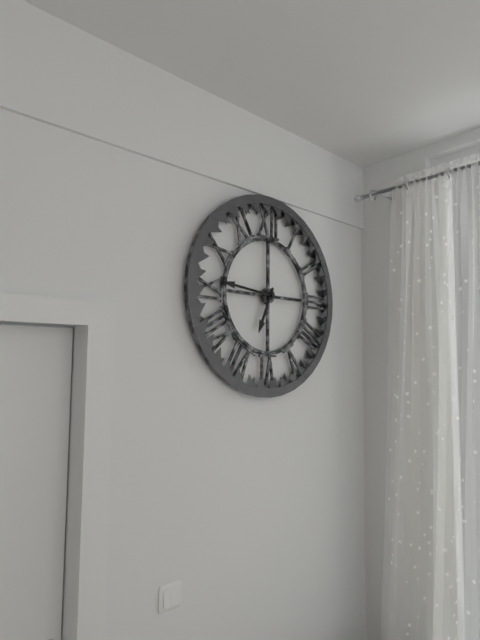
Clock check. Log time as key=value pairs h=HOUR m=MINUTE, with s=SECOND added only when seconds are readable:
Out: h=6 m=46
